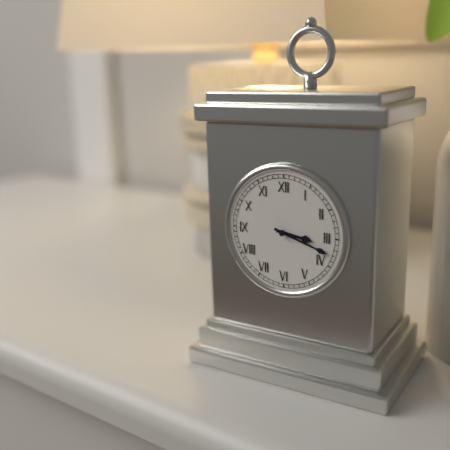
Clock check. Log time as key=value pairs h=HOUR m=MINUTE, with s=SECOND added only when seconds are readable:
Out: h=3 m=18
